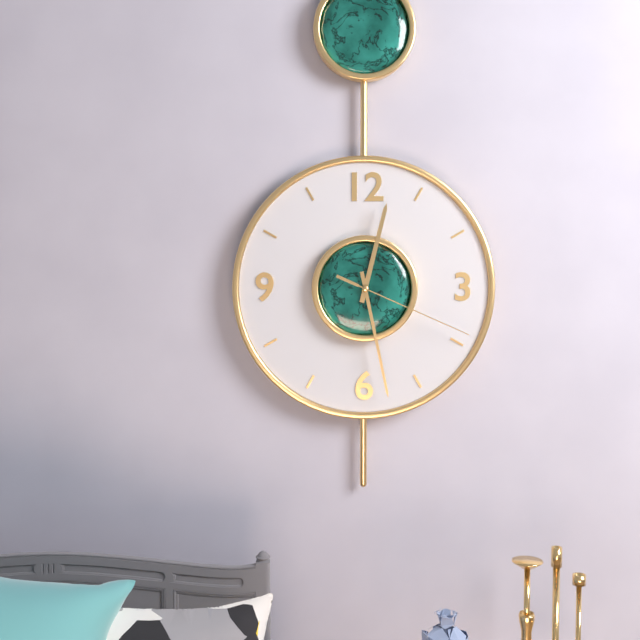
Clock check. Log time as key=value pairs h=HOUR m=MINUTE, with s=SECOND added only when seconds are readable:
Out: h=12 m=28 s=19
